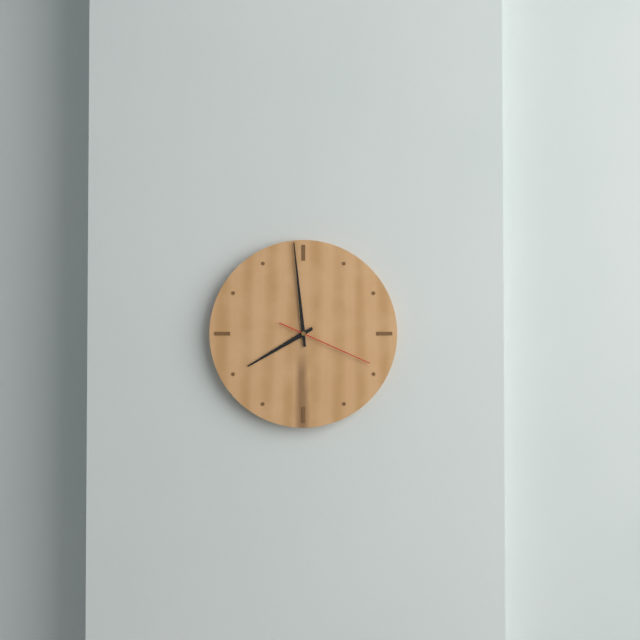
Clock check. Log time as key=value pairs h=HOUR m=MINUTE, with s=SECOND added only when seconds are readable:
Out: h=7 m=59 s=19
